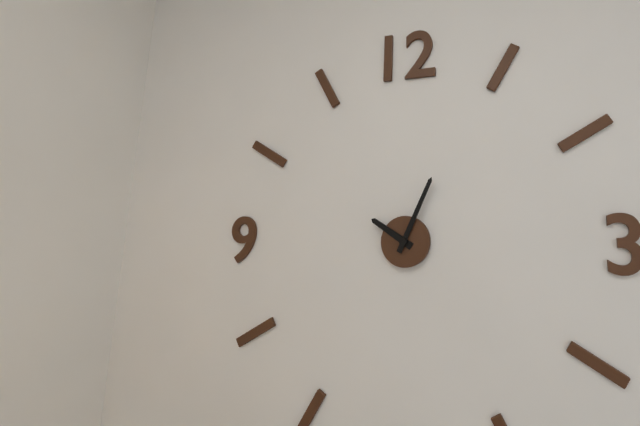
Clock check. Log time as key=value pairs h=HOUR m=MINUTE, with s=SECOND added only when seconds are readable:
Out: h=10 m=4
